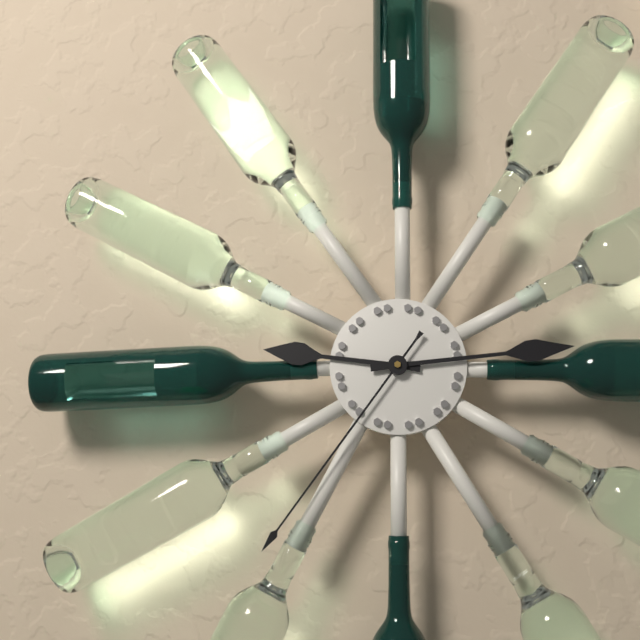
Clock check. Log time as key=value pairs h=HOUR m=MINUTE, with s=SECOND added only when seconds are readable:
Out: h=9 m=14 s=36
